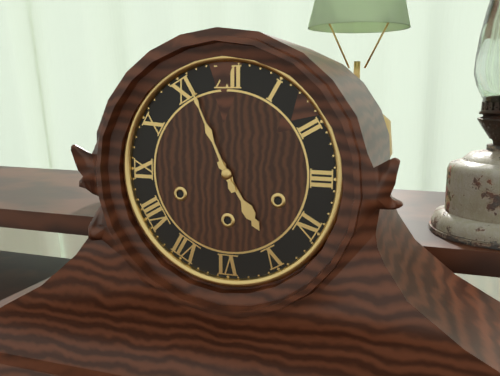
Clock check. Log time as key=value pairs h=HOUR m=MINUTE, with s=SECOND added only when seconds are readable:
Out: h=4 m=56
